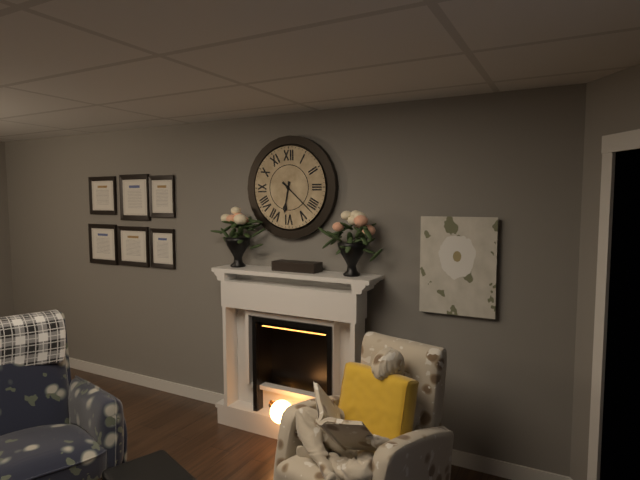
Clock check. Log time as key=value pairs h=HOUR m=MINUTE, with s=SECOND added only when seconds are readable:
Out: h=6 m=22
